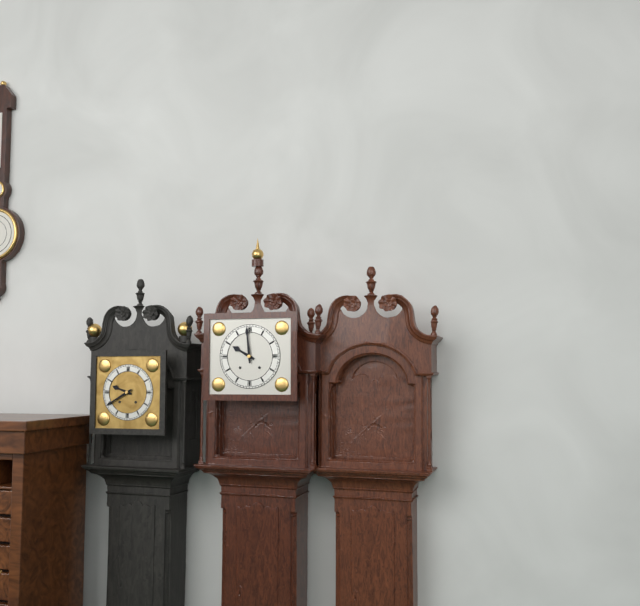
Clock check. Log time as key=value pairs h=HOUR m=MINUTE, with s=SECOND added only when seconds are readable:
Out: h=9 m=59
